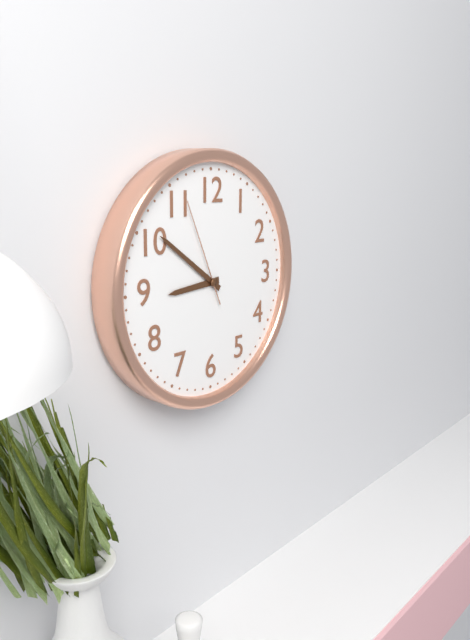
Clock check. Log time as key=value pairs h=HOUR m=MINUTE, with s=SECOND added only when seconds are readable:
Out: h=8 m=51 s=56
